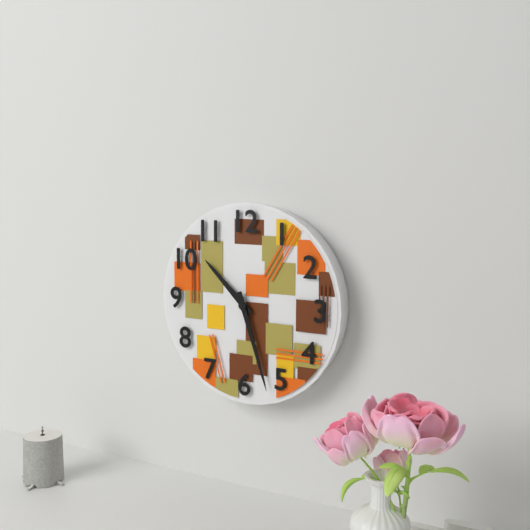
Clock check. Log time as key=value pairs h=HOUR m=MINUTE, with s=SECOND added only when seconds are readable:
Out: h=10 m=27
